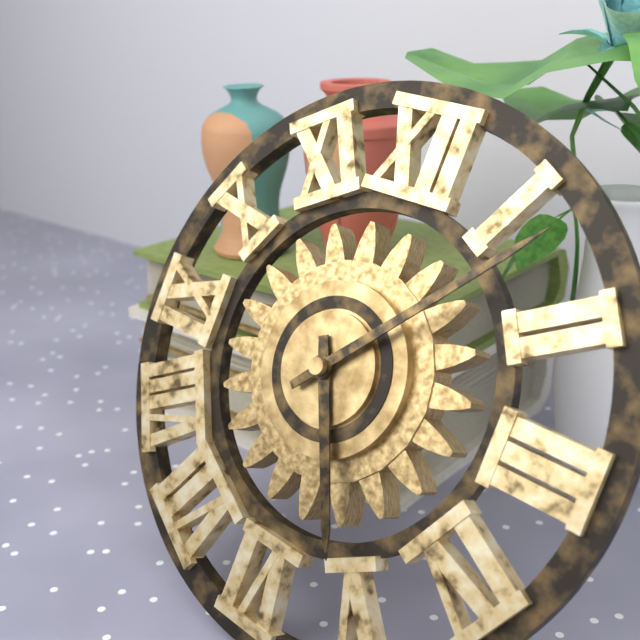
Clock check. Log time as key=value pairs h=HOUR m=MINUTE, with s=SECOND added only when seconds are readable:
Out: h=5 m=7
